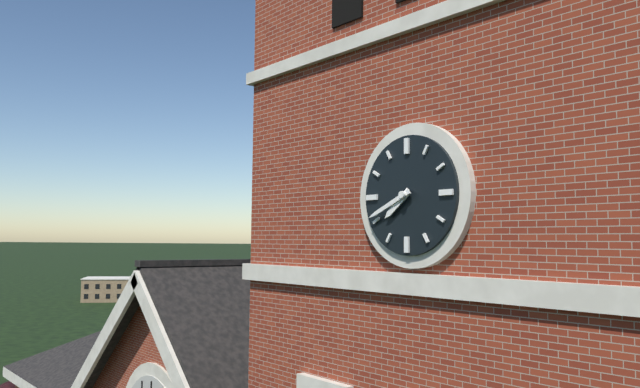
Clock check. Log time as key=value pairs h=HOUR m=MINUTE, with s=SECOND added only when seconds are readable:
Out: h=7 m=41
